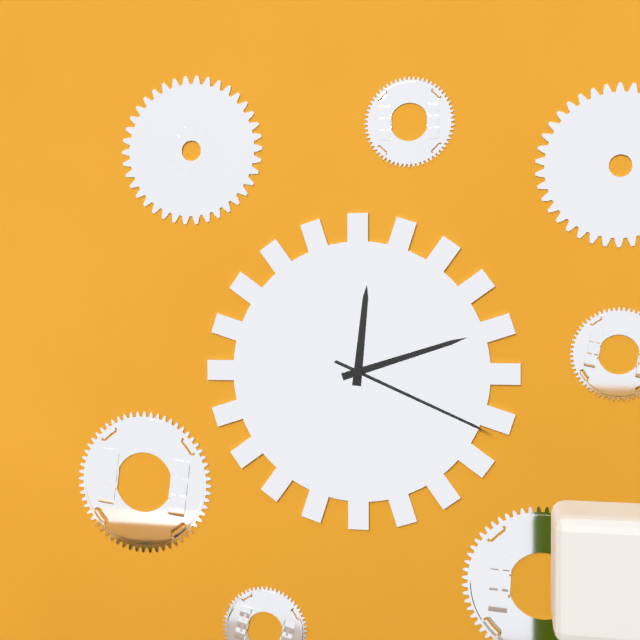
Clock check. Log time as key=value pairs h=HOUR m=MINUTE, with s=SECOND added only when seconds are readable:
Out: h=12 m=12 s=19
